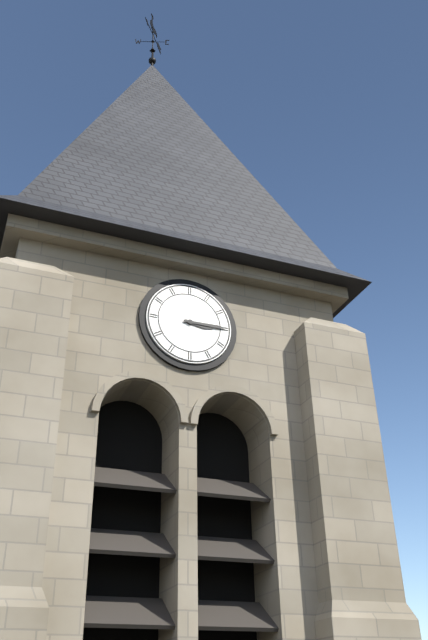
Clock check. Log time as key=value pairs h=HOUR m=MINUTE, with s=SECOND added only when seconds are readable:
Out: h=3 m=15
